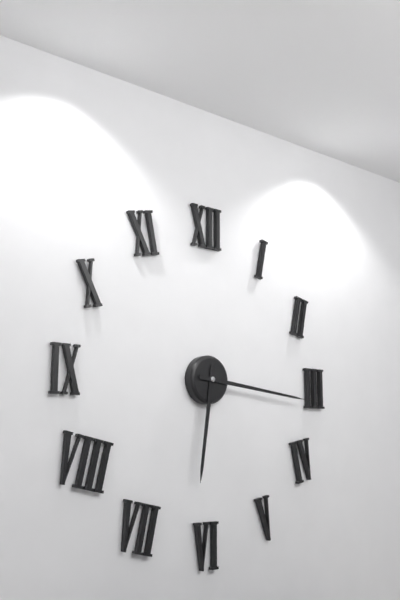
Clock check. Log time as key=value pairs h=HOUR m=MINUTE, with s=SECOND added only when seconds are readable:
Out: h=6 m=16
